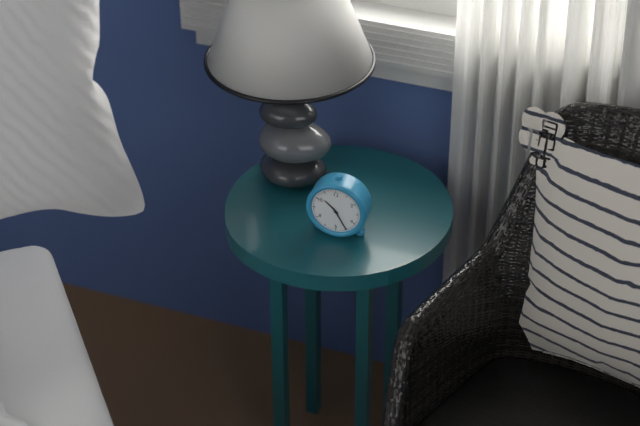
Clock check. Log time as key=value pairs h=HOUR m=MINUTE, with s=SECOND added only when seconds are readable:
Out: h=10 m=25
